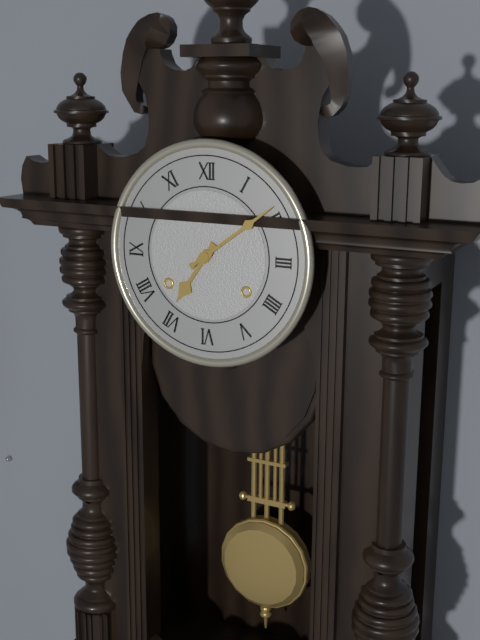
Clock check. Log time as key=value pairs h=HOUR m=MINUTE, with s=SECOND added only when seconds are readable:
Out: h=7 m=9
